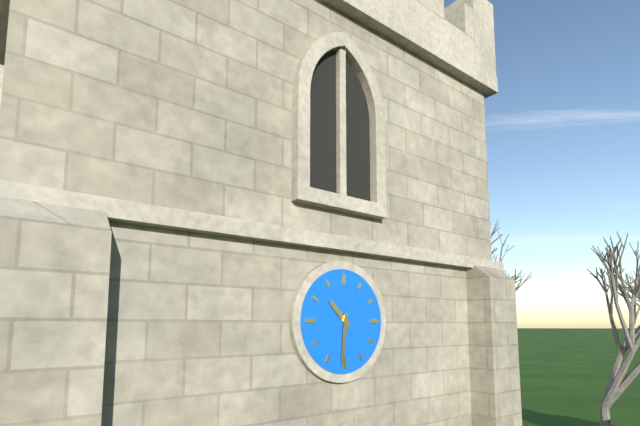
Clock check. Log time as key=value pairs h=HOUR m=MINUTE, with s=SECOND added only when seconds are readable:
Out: h=10 m=31
